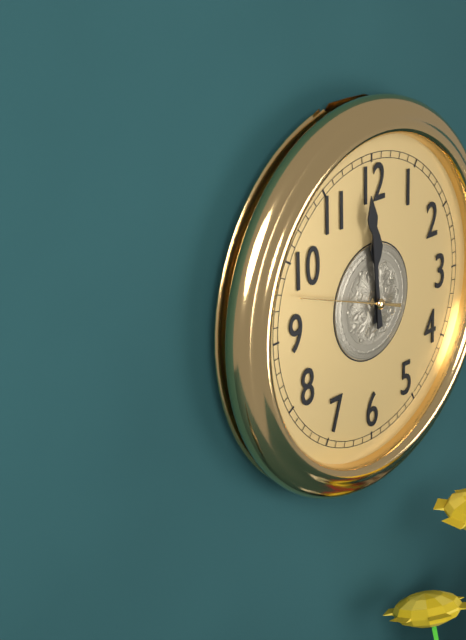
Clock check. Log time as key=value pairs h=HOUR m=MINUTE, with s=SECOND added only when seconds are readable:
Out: h=11 m=59 s=48
